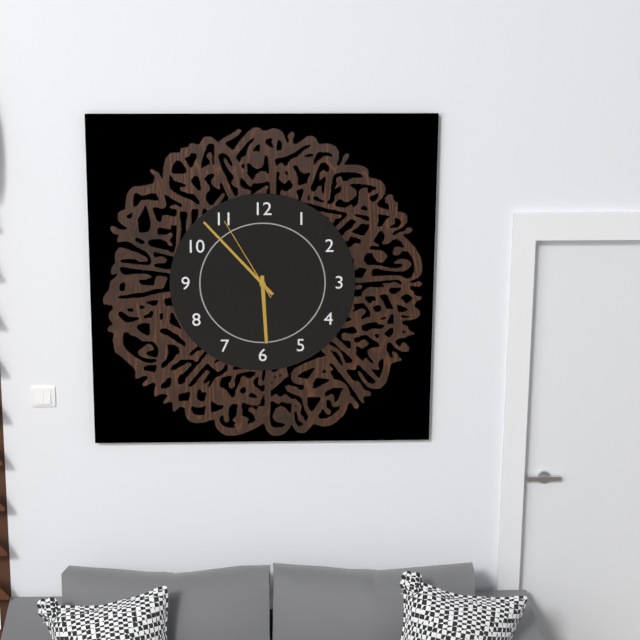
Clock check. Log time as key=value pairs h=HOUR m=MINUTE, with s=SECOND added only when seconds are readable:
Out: h=5 m=53 s=55
